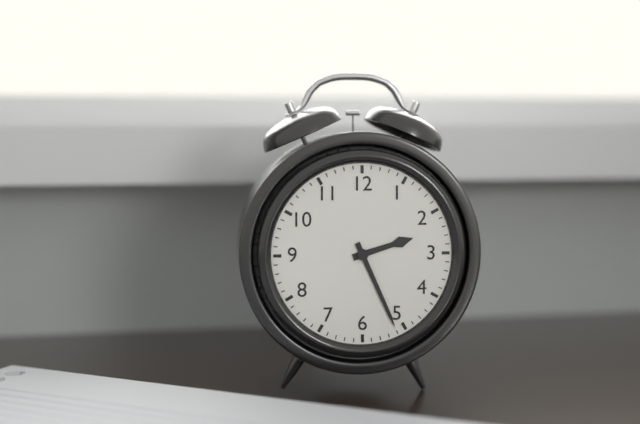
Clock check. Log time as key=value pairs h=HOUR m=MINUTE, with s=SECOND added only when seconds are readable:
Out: h=2 m=26
